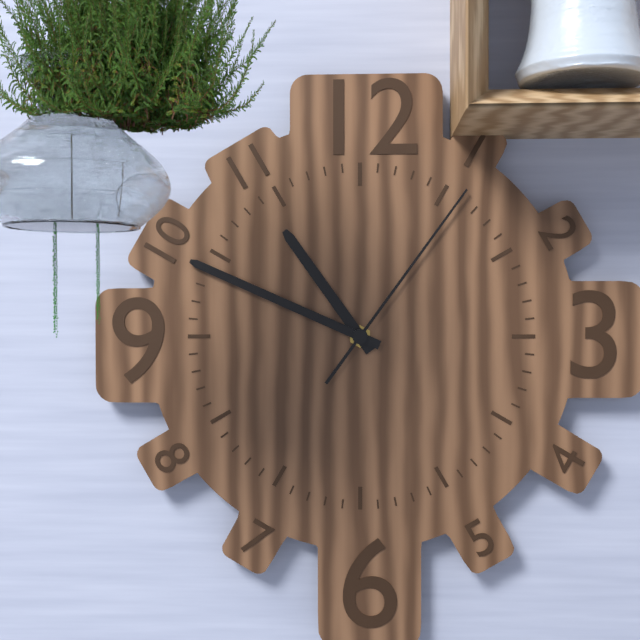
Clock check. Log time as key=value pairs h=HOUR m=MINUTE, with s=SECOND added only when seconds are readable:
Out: h=10 m=49 s=6
